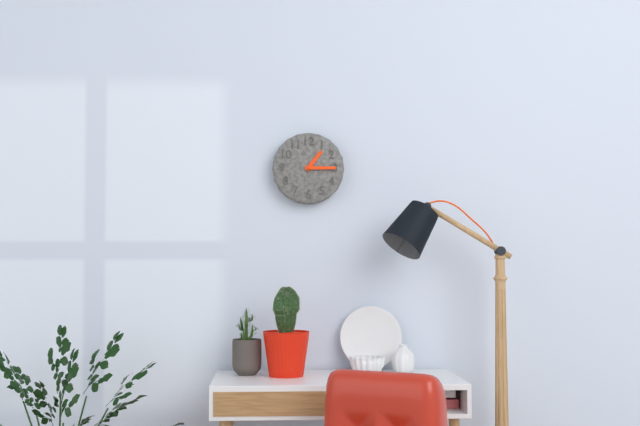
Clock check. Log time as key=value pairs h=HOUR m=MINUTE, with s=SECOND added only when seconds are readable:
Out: h=1 m=15
